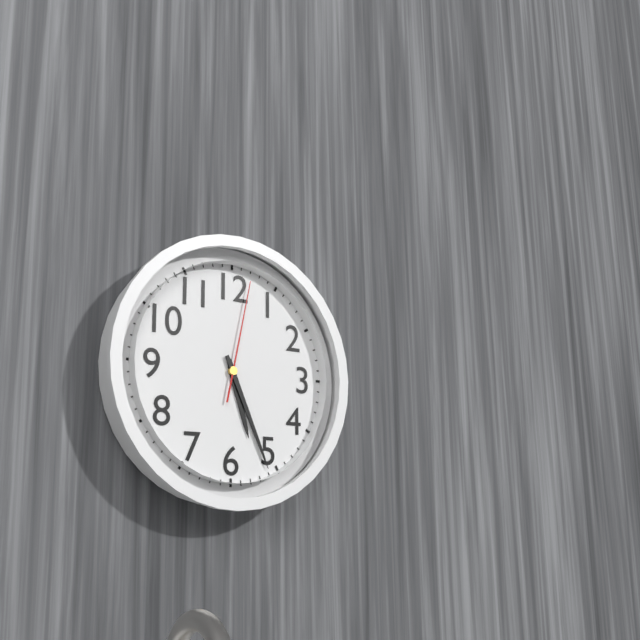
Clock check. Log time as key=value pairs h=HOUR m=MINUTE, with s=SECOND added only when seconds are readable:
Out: h=5 m=26 s=2
